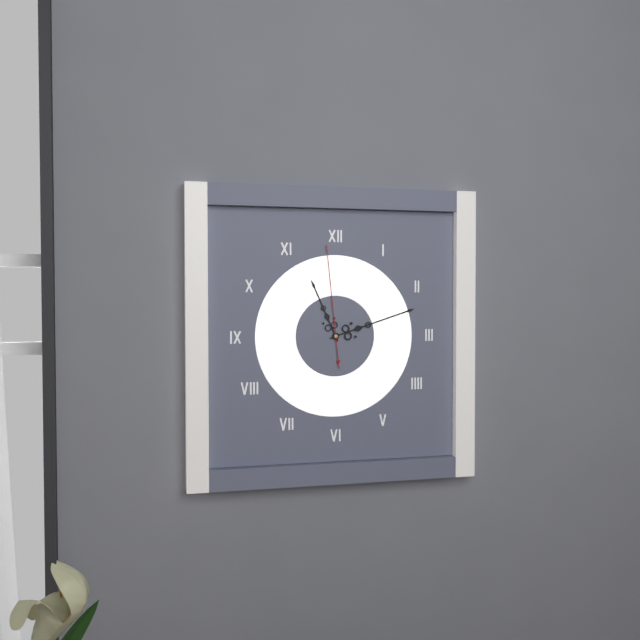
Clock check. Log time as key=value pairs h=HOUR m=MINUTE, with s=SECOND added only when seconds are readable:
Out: h=11 m=12 s=59
